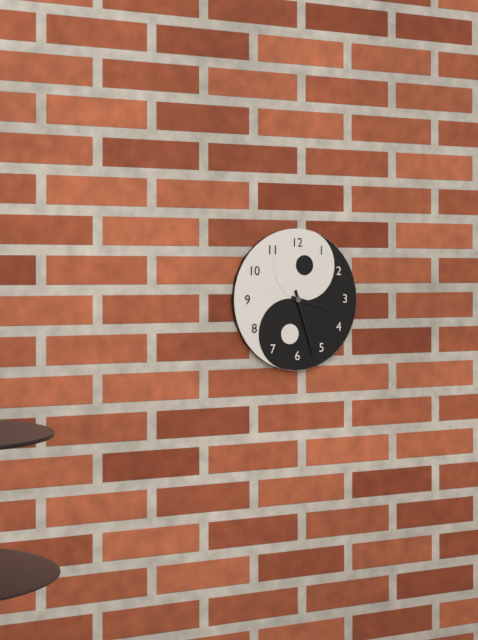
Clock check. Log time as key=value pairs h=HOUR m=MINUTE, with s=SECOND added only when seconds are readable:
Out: h=3 m=27
